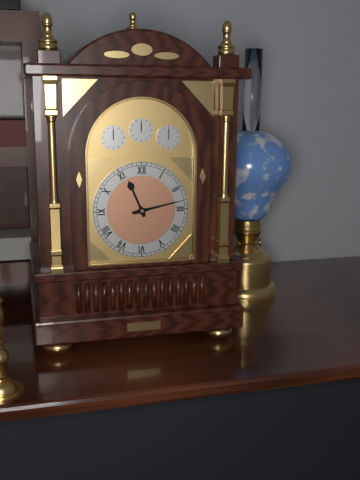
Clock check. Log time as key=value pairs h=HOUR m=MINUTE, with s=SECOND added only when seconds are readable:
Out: h=11 m=13
